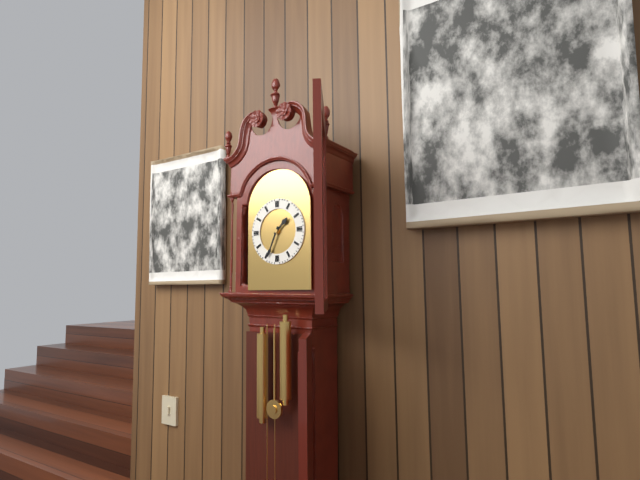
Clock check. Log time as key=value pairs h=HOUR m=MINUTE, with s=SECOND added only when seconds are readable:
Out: h=1 m=34
